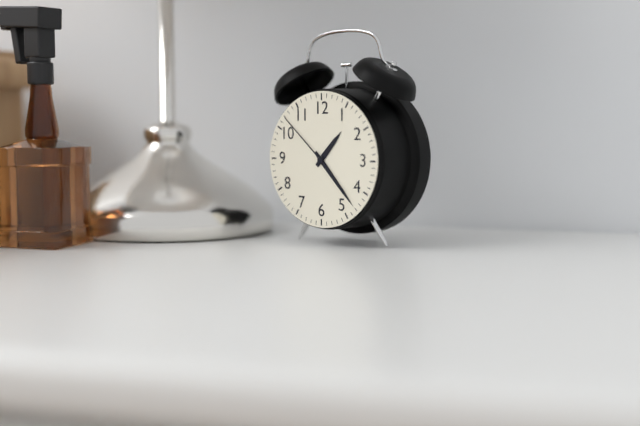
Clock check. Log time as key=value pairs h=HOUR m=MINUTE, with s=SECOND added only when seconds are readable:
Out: h=1 m=23 s=52
